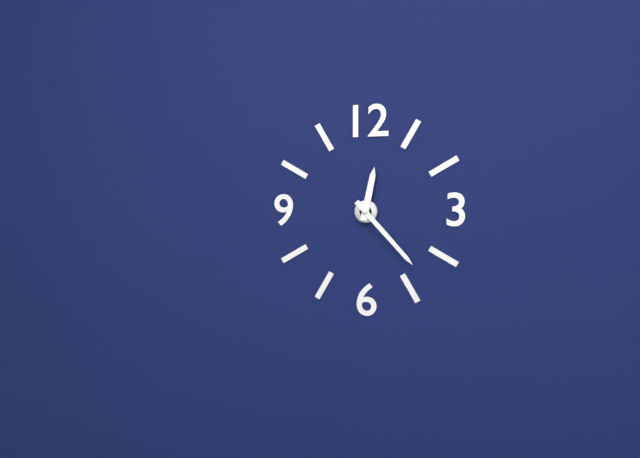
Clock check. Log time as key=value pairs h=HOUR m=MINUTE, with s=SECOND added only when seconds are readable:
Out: h=12 m=23
